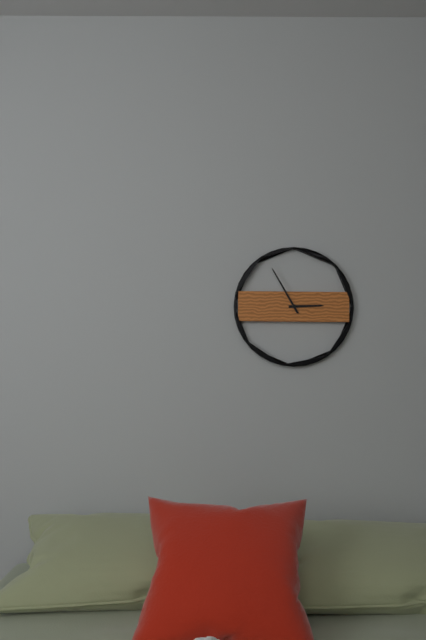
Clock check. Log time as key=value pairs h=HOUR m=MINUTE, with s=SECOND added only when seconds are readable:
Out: h=2 m=55
